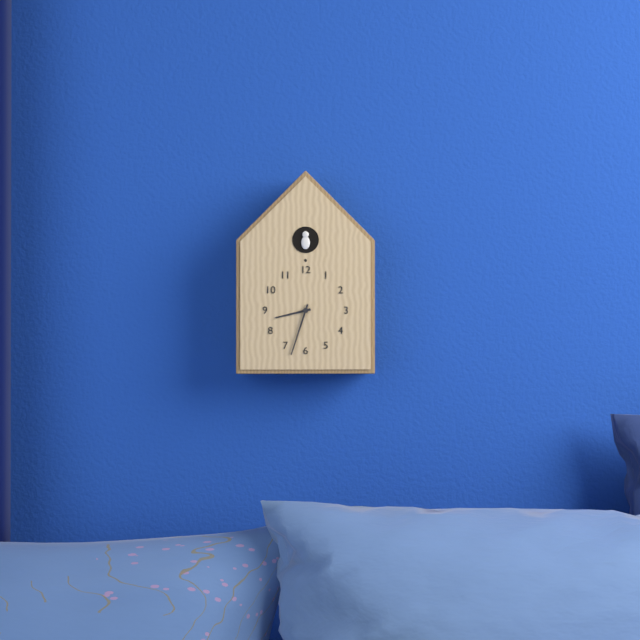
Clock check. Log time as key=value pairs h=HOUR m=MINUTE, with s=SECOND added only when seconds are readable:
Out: h=8 m=33
